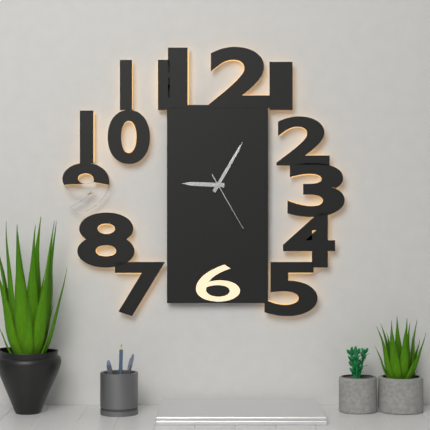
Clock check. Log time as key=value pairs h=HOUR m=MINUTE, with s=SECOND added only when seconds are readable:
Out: h=9 m=5 s=25
